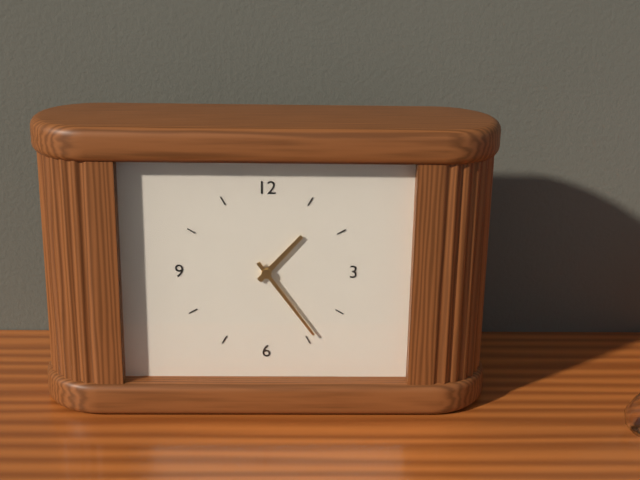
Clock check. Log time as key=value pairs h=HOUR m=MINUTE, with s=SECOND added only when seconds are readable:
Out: h=1 m=24
